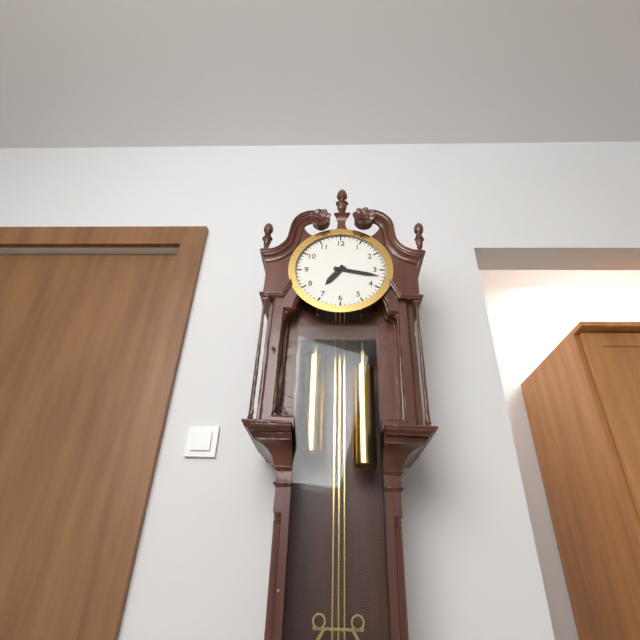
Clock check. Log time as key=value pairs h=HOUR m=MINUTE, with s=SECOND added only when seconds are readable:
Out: h=7 m=17
